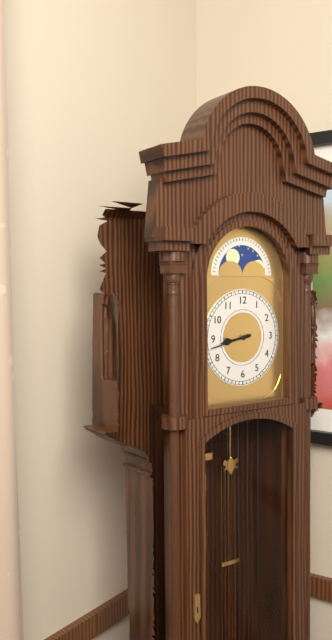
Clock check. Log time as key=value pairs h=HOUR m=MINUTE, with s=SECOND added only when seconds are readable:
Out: h=8 m=43
